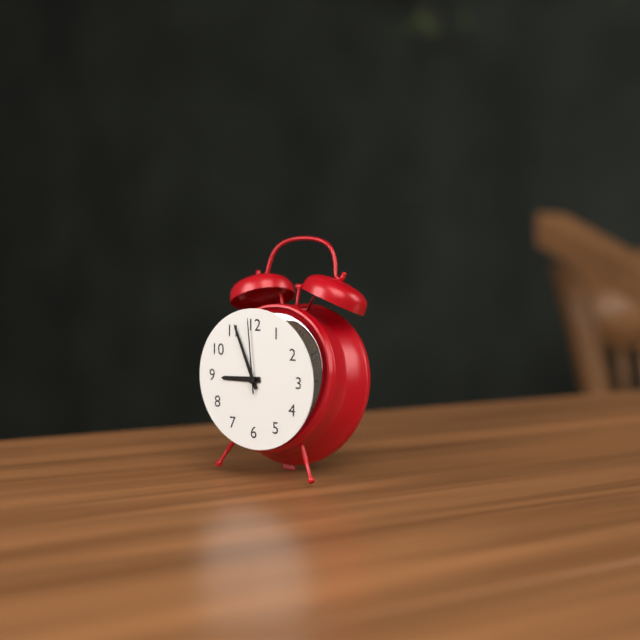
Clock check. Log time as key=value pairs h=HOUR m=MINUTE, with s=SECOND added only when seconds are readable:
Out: h=8 m=56 s=59
